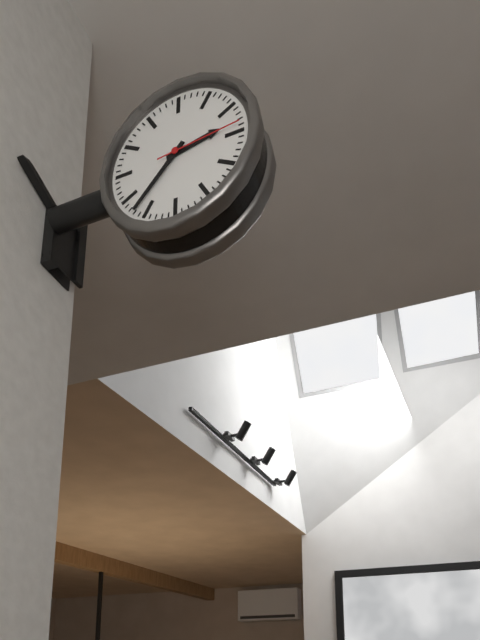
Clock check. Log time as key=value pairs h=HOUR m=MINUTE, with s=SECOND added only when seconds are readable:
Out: h=2 m=37 s=14
